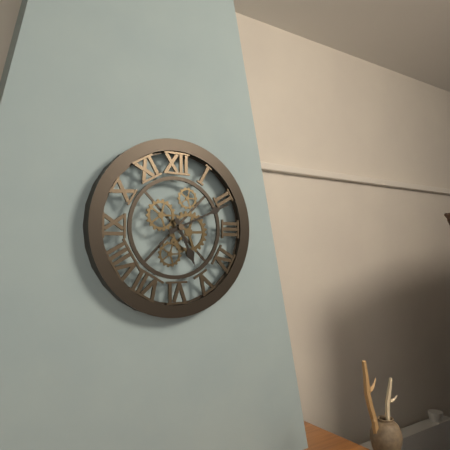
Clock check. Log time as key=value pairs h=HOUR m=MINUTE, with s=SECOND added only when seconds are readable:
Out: h=5 m=11
